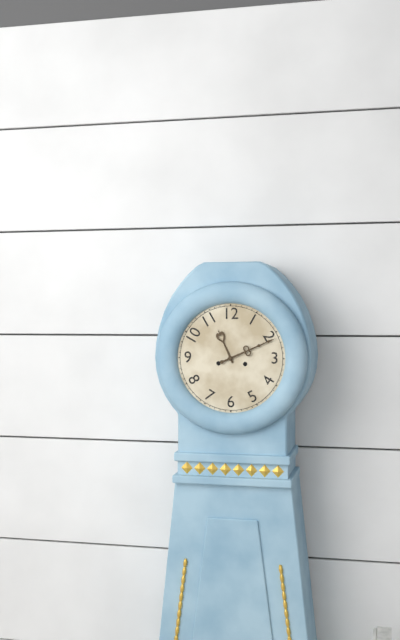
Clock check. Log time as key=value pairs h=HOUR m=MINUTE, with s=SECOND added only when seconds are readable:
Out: h=11 m=11
